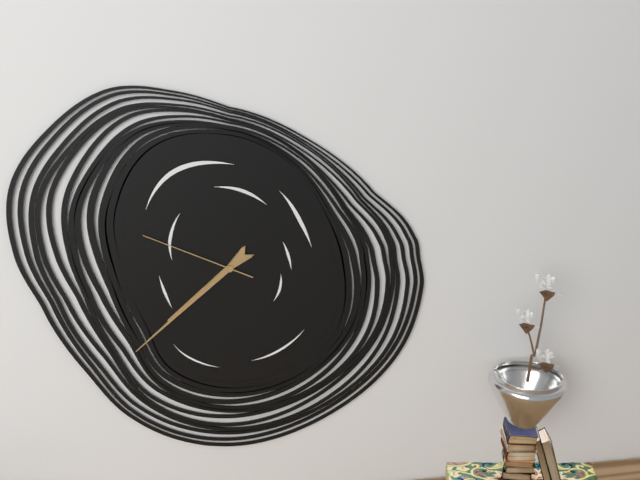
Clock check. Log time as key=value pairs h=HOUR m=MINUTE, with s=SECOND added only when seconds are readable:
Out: h=7 m=38 s=49
